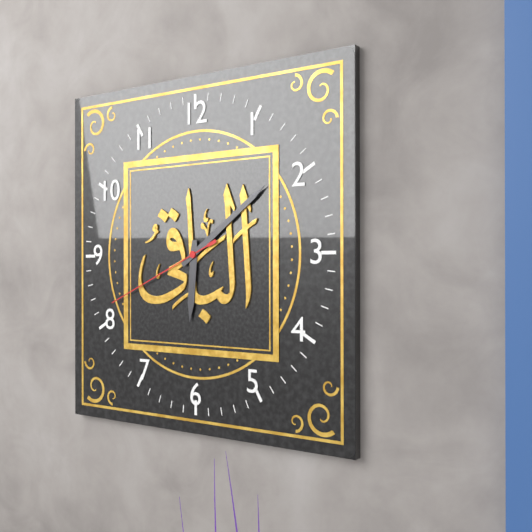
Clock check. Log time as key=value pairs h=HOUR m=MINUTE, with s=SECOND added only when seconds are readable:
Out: h=6 m=9 s=41
